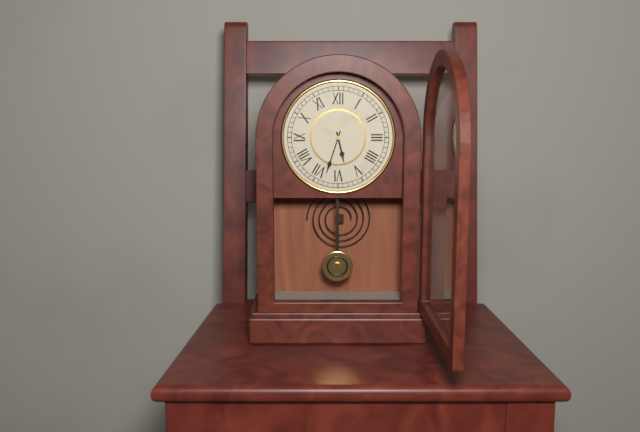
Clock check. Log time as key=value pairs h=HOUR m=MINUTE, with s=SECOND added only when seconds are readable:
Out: h=5 m=33
